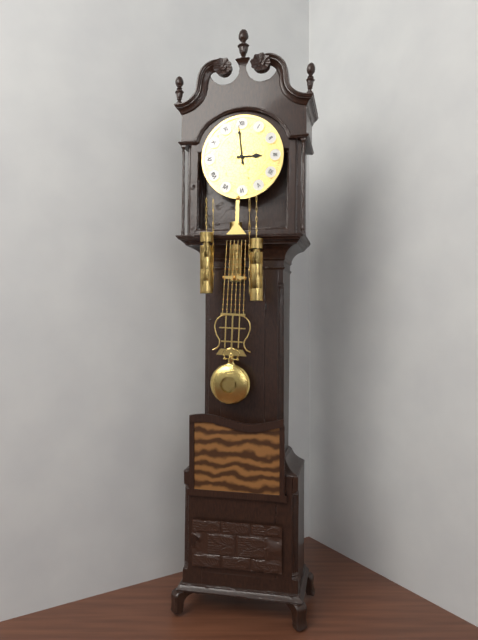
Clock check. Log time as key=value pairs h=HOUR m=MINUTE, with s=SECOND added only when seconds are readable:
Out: h=2 m=59
